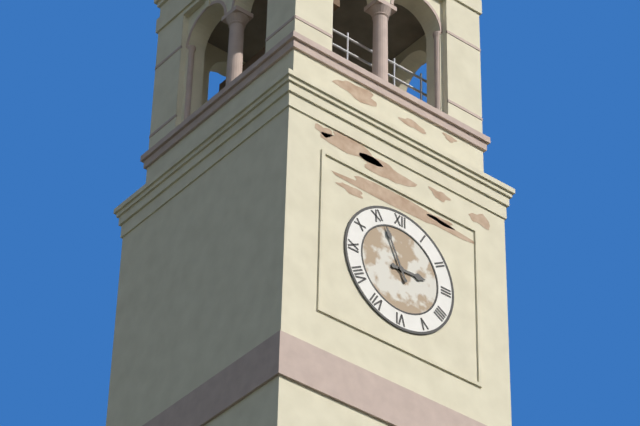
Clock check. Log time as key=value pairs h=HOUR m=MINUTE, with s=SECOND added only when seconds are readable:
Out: h=2 m=56
